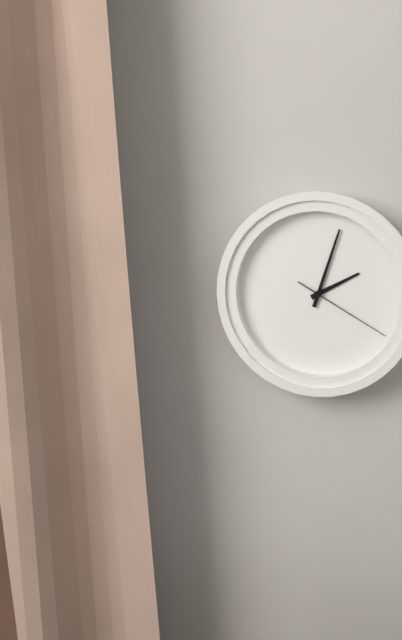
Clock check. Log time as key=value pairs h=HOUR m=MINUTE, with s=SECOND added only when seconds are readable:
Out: h=2 m=3 s=20
